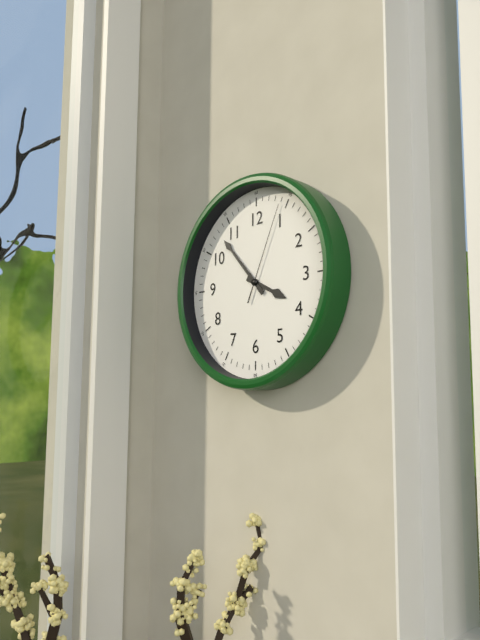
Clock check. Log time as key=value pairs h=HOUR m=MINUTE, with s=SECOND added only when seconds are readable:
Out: h=3 m=53 s=4
